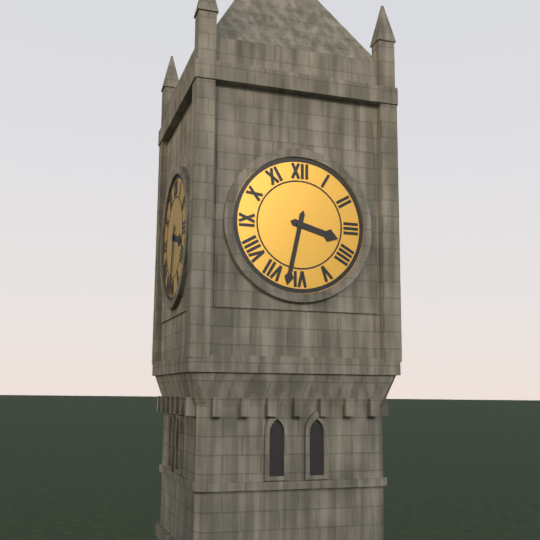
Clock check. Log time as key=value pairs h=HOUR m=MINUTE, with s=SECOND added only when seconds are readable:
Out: h=3 m=32
